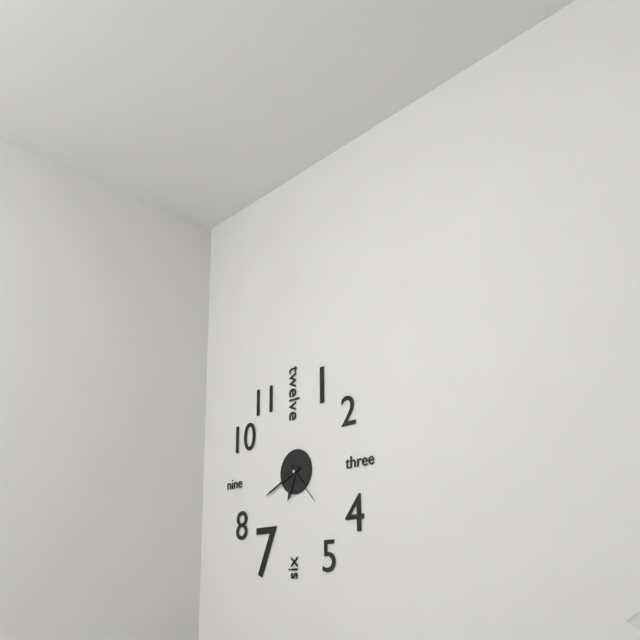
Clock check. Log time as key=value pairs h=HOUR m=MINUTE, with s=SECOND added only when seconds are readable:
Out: h=6 m=41
